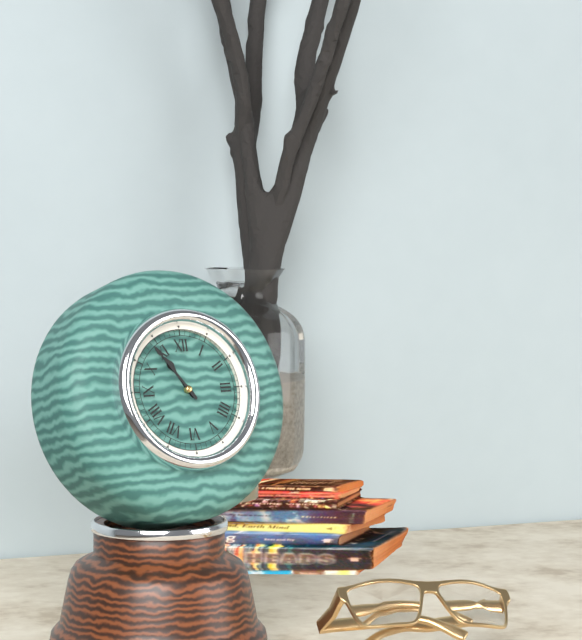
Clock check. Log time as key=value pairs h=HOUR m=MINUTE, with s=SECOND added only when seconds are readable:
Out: h=10 m=54
